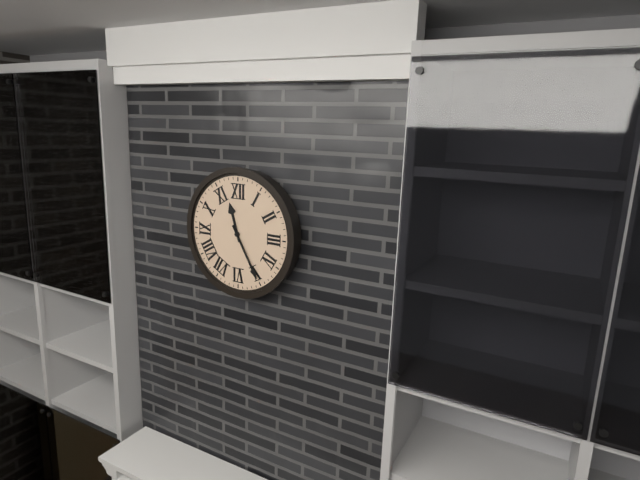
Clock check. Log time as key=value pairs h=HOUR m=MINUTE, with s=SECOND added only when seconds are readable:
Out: h=11 m=25
